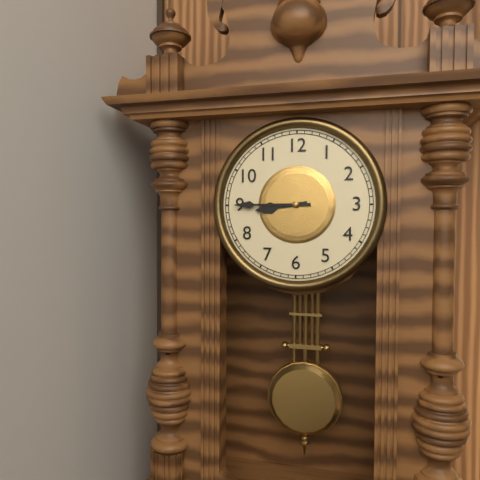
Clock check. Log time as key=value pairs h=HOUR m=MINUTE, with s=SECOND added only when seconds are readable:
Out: h=8 m=45
